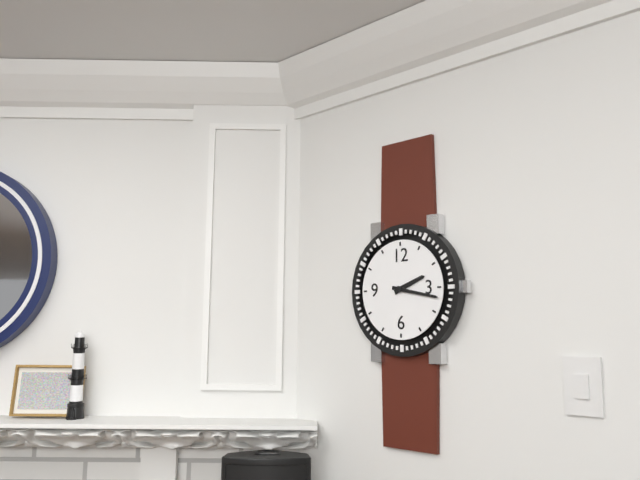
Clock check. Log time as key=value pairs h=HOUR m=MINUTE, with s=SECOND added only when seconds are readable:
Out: h=2 m=17
